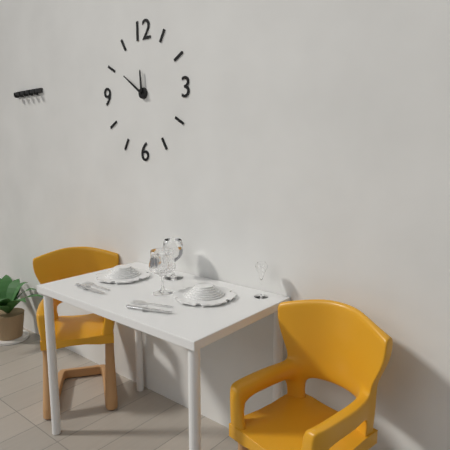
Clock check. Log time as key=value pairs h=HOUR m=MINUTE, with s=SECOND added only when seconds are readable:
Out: h=11 m=51
